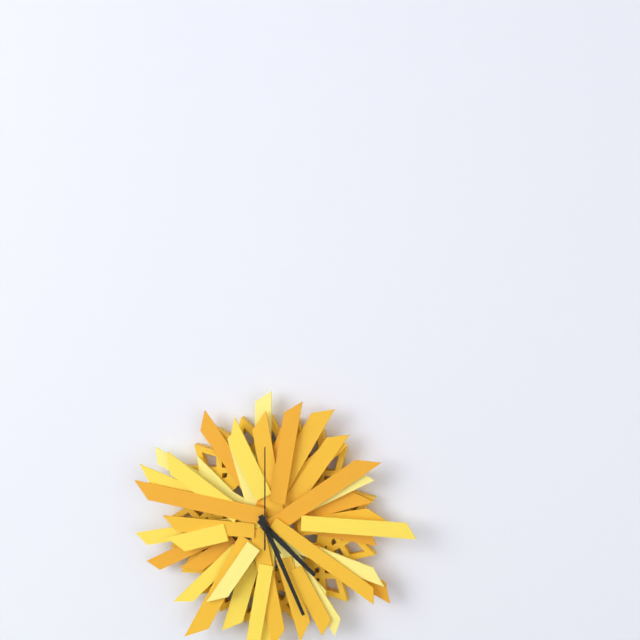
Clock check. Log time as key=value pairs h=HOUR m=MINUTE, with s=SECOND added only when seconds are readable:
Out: h=4 m=26 s=0
